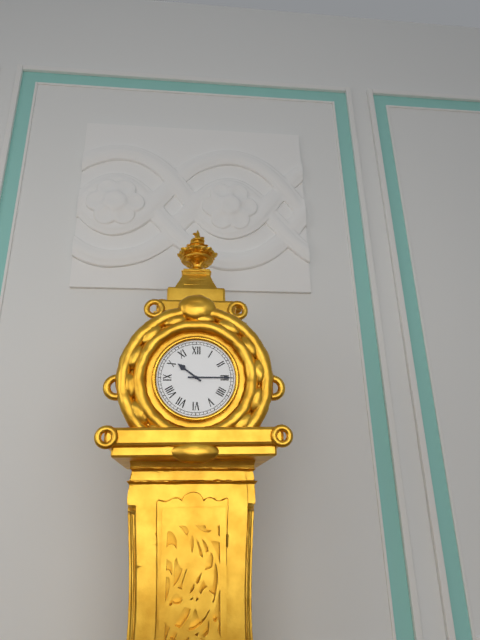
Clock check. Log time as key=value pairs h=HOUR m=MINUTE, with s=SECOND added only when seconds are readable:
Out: h=10 m=15
